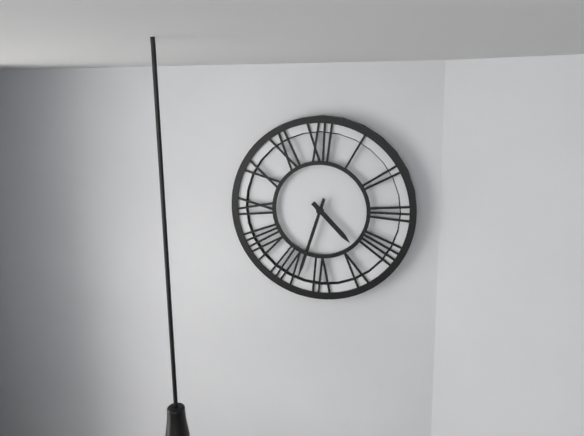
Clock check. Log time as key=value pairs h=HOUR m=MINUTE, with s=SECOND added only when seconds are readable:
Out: h=4 m=33
